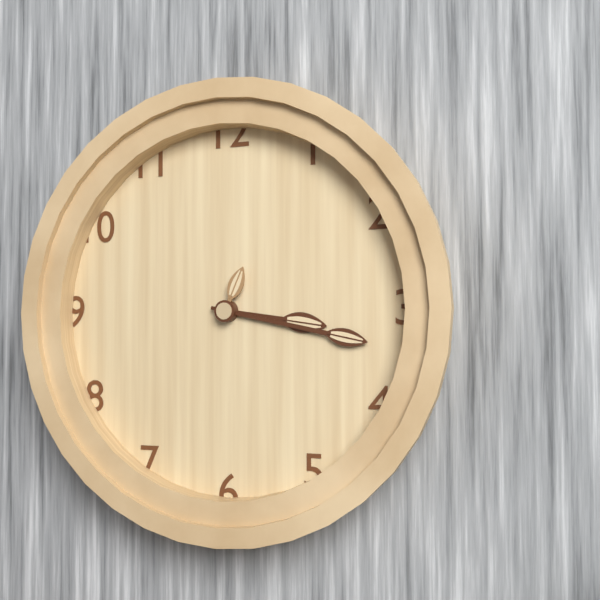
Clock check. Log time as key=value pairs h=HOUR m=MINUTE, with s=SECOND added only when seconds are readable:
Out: h=3 m=17 s=4
